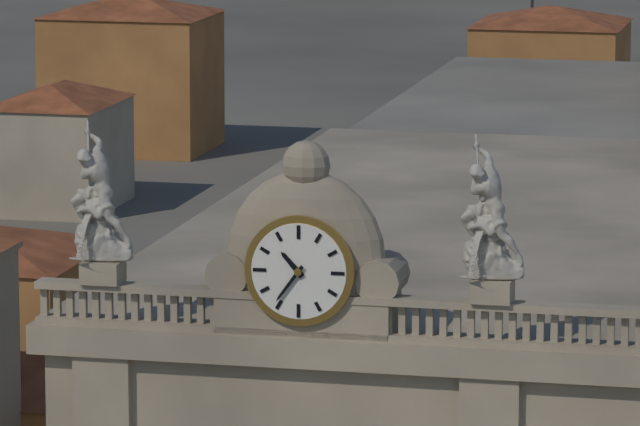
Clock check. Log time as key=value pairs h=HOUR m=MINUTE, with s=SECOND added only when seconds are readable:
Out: h=10 m=36
